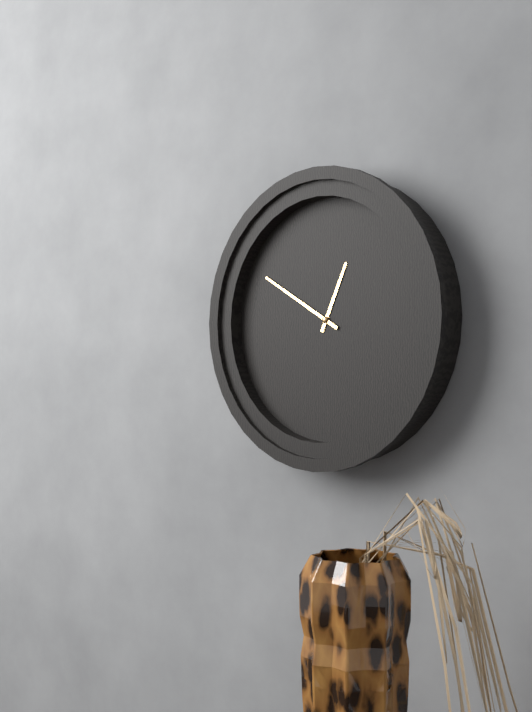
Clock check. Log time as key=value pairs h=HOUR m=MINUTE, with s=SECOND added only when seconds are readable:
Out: h=12 m=50
